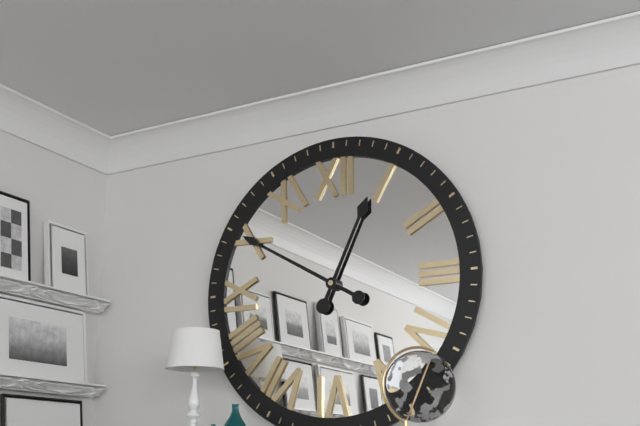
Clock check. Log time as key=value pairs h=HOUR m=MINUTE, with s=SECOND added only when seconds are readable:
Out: h=12 m=50
